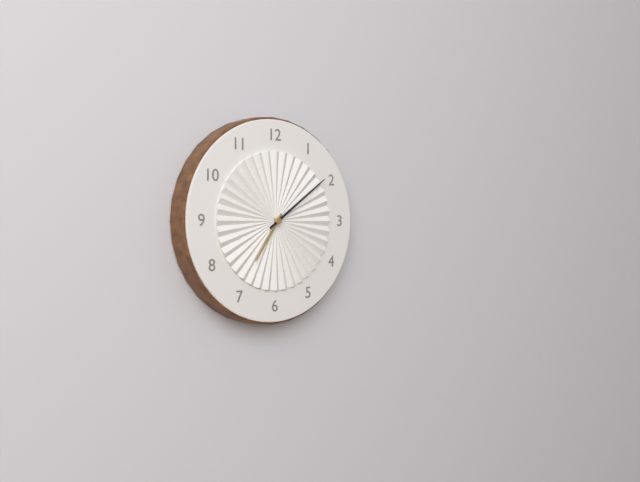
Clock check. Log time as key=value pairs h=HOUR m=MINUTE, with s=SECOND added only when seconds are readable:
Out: h=7 m=9
